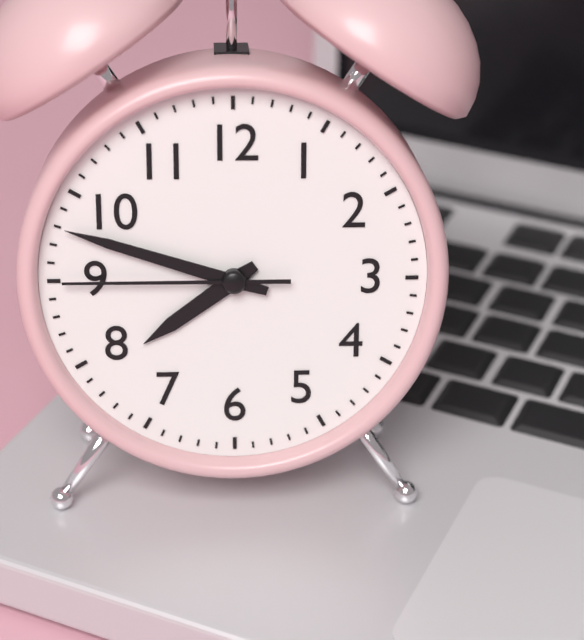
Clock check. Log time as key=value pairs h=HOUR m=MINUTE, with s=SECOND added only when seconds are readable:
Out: h=7 m=48 s=45
